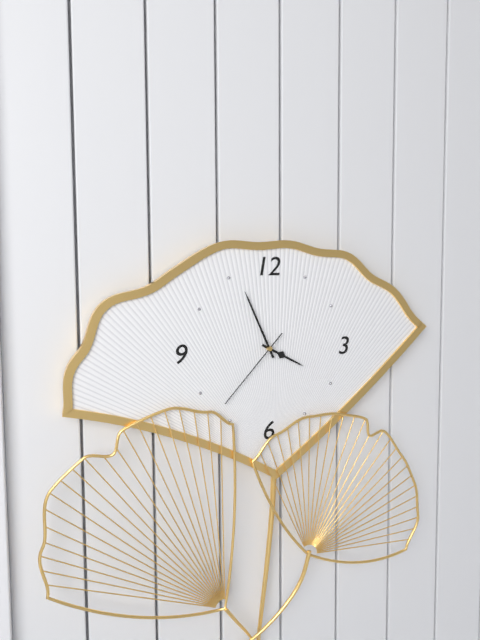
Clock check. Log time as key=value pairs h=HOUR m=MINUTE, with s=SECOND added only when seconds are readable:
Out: h=3 m=56 s=37
